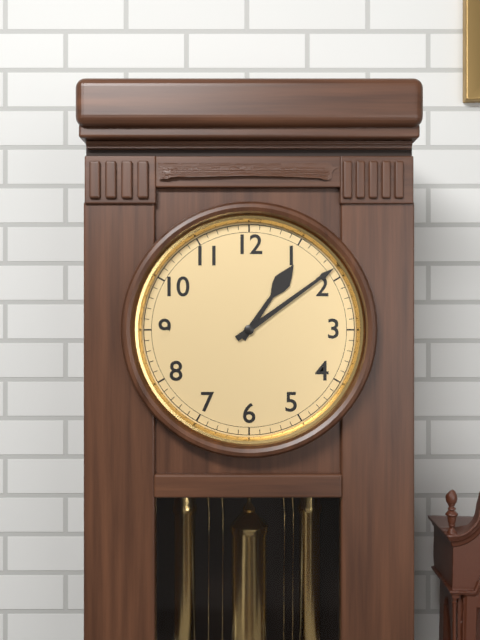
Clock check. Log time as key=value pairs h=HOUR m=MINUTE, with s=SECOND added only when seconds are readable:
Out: h=1 m=9
